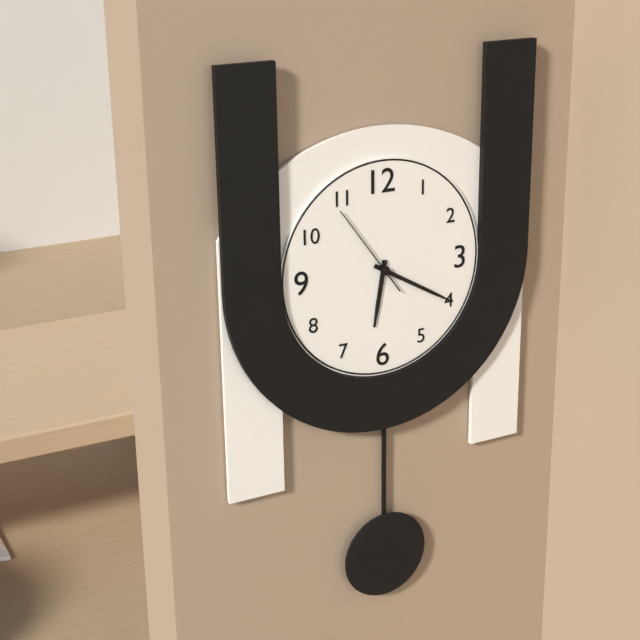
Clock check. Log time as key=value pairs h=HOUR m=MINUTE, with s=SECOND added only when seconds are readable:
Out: h=6 m=20 s=54
